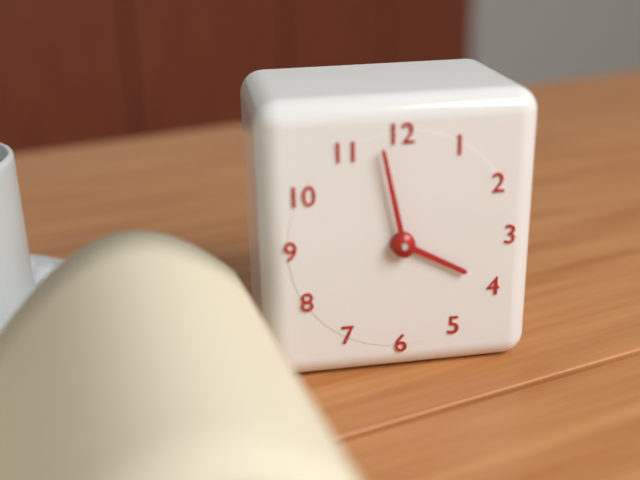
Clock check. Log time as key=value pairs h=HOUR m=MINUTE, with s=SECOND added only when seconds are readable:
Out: h=3 m=58
